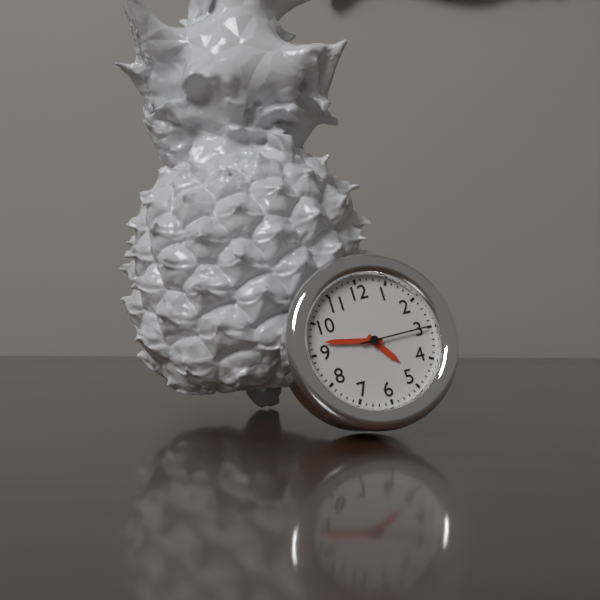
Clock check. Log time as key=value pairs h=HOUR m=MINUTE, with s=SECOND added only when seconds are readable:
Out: h=4 m=47 s=15
